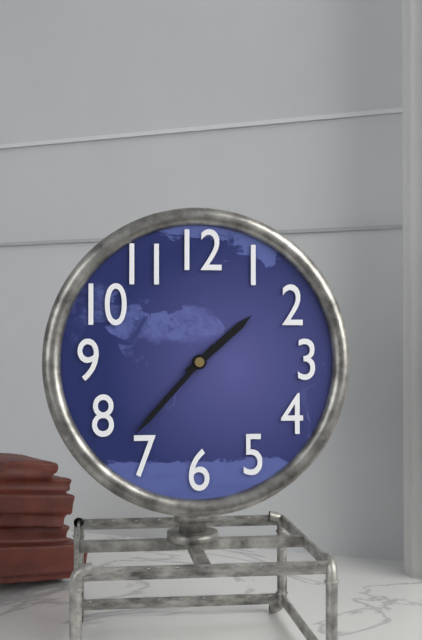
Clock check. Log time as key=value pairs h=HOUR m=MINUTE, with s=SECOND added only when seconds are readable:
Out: h=1 m=37
